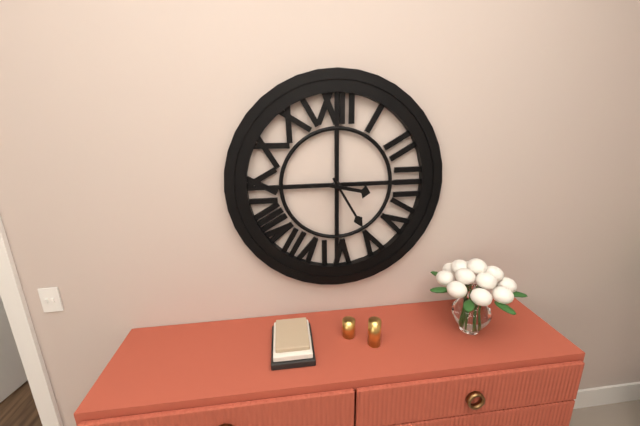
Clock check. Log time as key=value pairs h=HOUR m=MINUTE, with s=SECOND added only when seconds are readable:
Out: h=3 m=25
